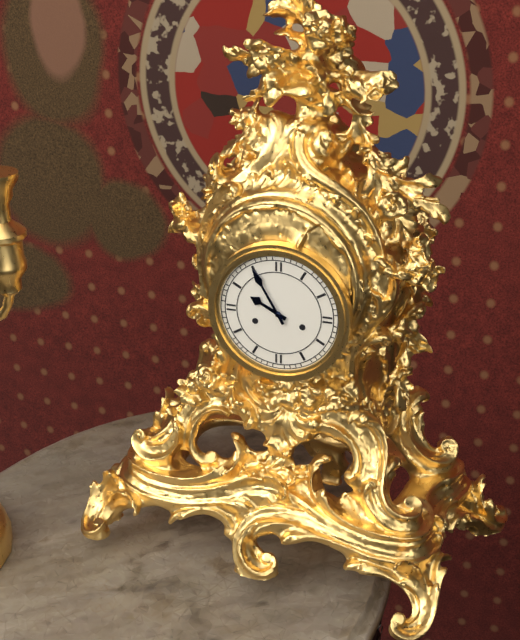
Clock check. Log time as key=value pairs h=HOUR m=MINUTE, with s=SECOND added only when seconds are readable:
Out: h=9 m=55
